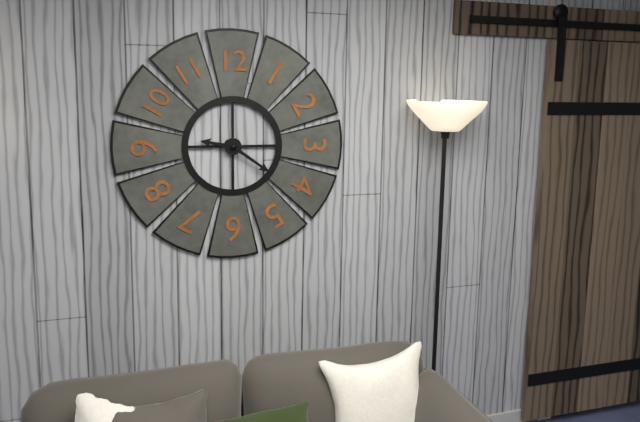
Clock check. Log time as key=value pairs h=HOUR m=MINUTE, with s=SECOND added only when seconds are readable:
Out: h=9 m=21
